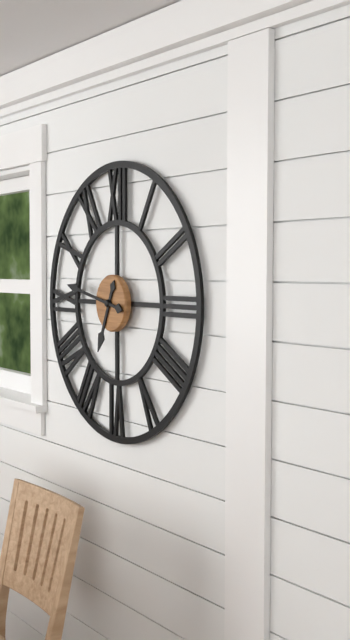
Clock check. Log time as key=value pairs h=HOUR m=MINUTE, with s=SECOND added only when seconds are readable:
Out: h=6 m=47
